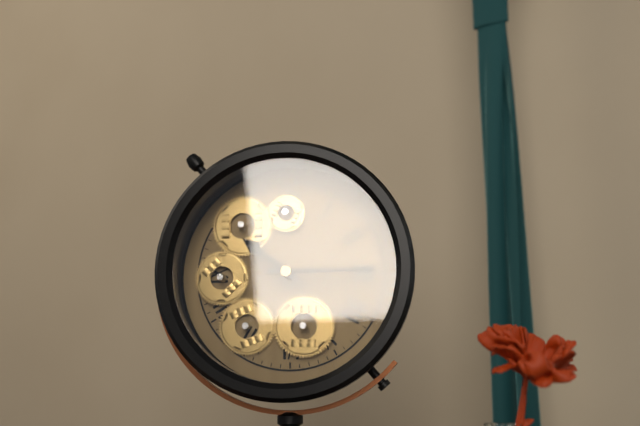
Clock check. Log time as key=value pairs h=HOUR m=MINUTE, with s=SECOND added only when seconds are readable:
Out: h=10 m=15
